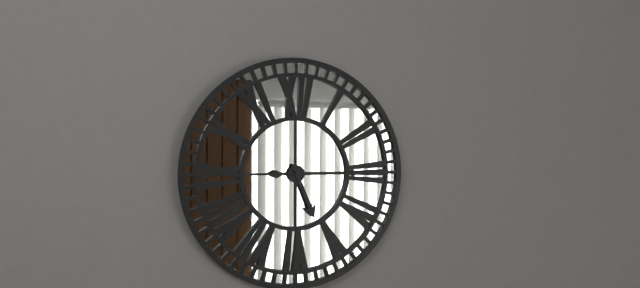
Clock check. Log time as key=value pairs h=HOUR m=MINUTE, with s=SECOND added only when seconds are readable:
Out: h=5 m=15
